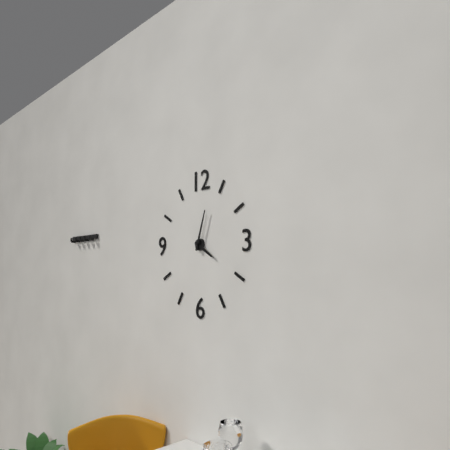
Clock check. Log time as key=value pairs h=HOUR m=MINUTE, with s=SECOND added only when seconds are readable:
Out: h=4 m=3
